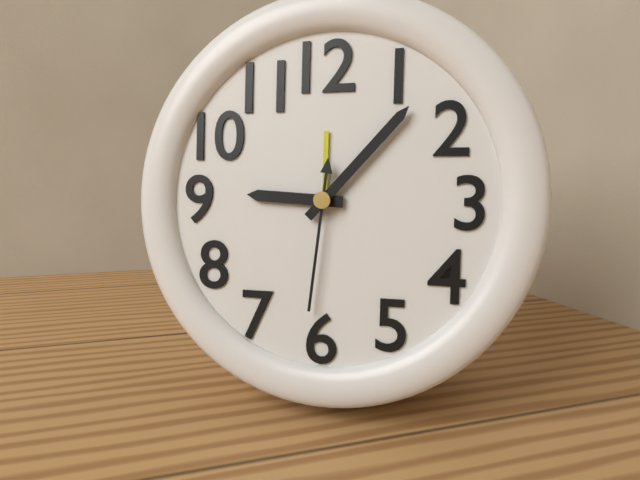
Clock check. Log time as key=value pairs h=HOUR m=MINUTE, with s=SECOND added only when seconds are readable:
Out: h=9 m=7 s=31
